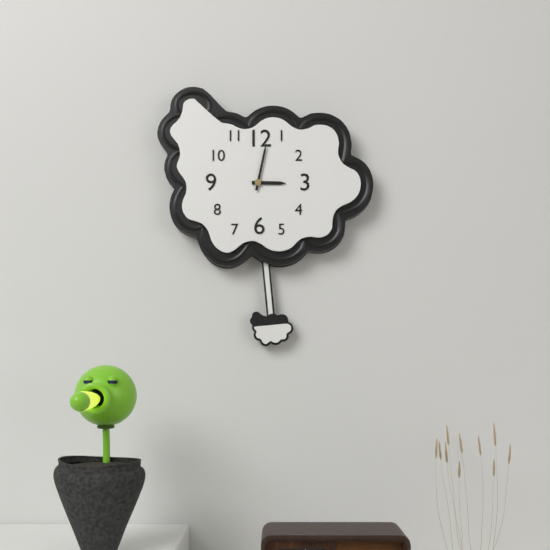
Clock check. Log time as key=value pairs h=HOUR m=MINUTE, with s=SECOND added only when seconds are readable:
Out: h=3 m=2
